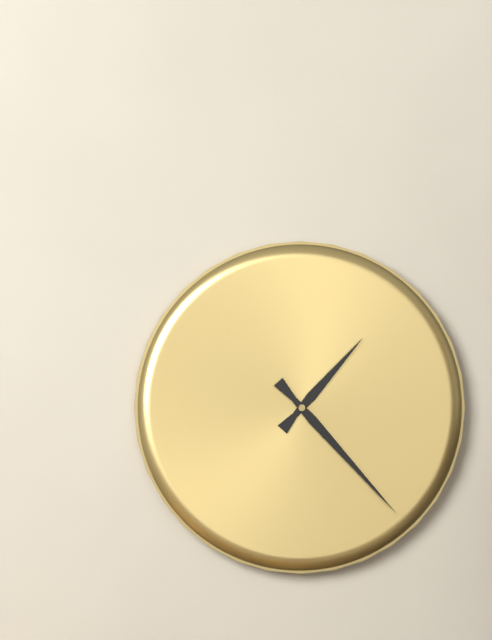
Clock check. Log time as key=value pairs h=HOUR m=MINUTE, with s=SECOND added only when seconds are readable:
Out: h=1 m=23
